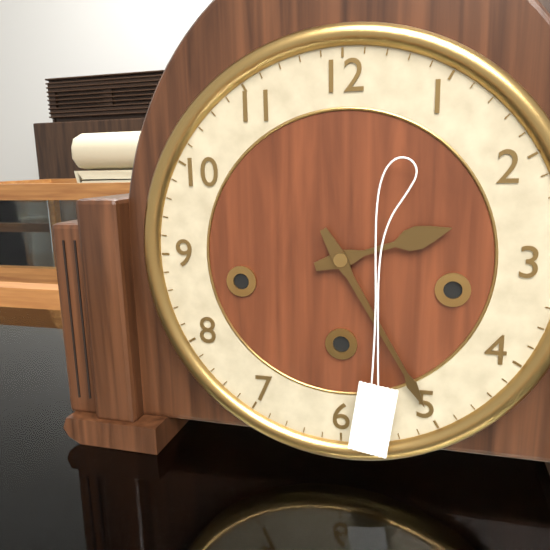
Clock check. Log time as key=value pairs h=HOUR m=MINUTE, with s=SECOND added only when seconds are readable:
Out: h=2 m=25
